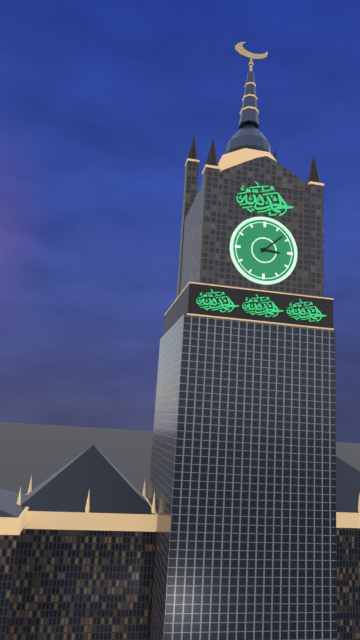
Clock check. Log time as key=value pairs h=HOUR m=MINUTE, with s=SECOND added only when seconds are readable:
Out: h=3 m=8
